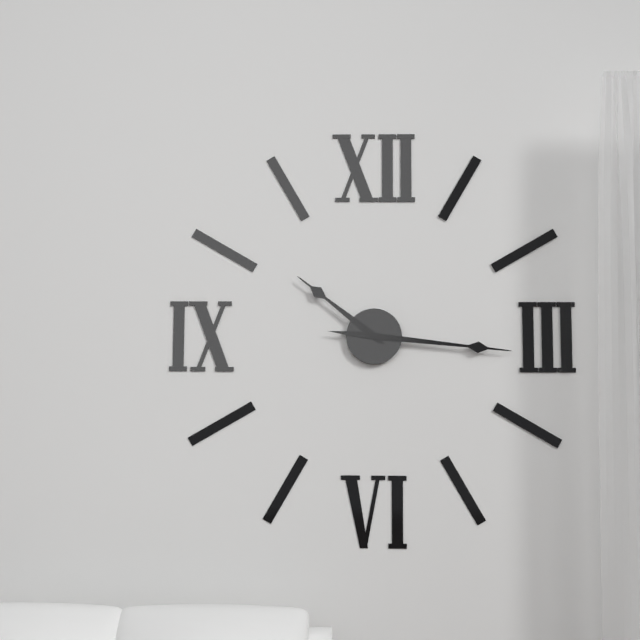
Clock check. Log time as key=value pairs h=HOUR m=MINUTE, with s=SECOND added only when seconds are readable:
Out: h=10 m=16
